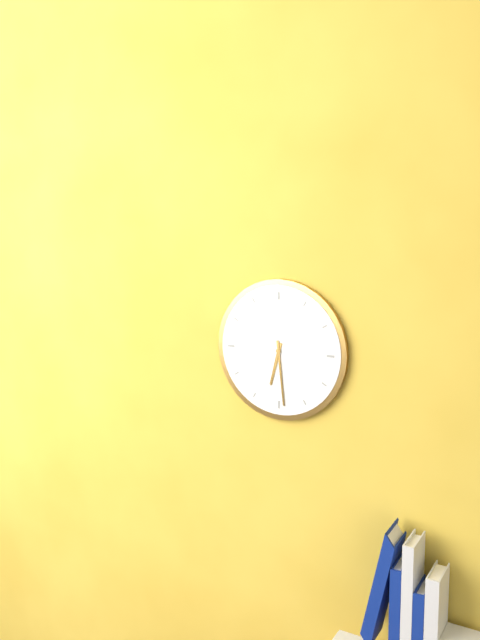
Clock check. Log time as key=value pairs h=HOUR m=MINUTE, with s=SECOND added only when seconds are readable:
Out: h=6 m=29
